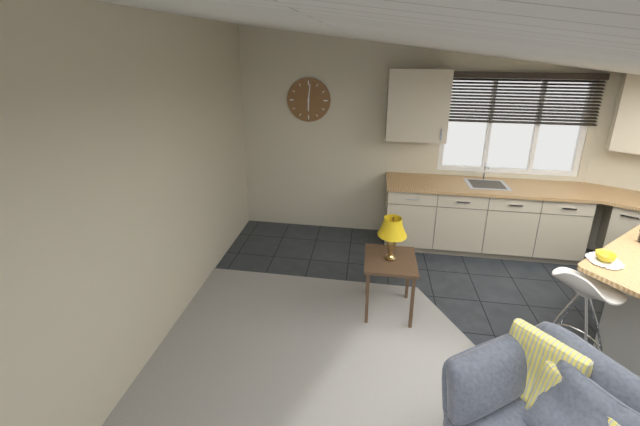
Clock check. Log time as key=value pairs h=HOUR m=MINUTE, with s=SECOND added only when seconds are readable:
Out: h=6 m=1
